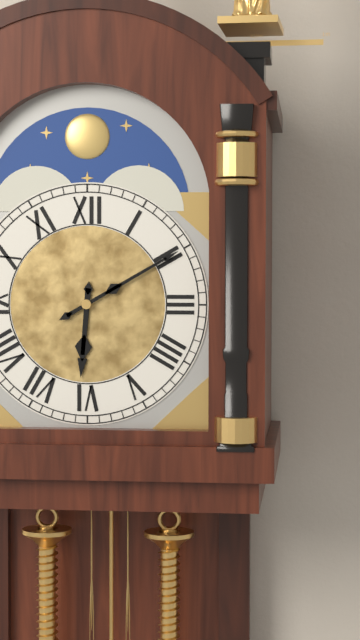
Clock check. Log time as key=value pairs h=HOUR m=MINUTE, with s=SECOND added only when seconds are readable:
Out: h=6 m=10
